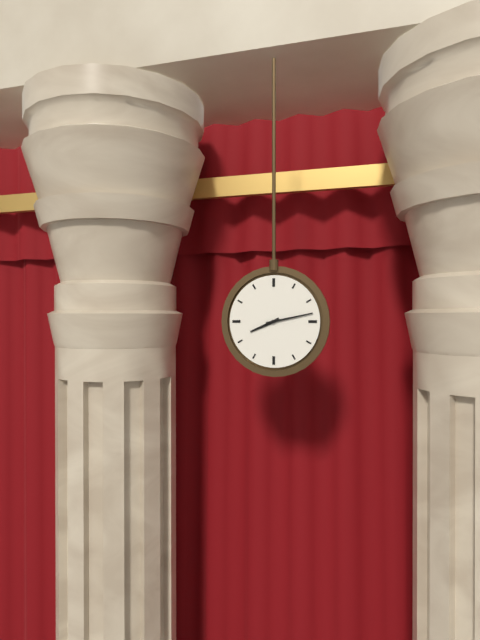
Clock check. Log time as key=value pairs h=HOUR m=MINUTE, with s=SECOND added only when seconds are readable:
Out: h=8 m=13
